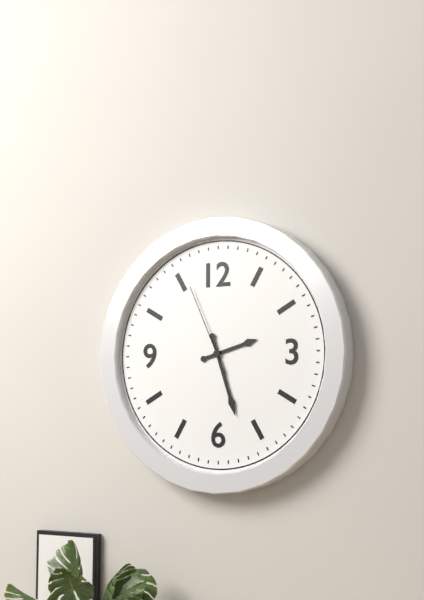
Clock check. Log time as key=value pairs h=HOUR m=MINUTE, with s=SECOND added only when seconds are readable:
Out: h=2 m=27 s=56
